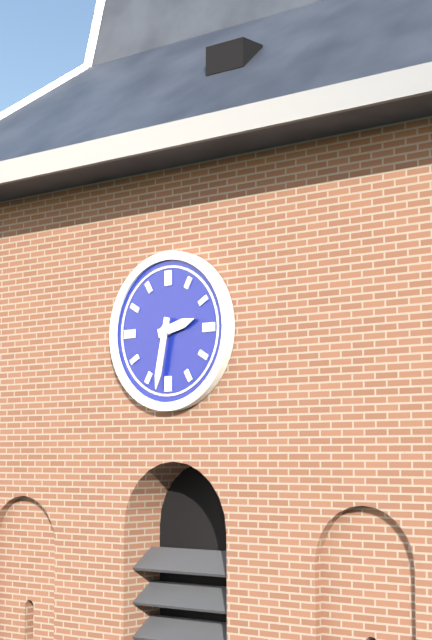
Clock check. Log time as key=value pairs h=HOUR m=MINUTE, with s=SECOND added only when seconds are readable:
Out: h=2 m=32
